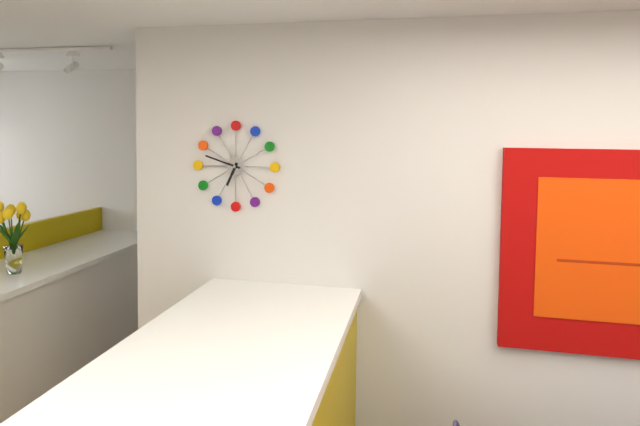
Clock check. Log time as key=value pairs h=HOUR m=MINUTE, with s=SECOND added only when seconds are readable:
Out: h=6 m=48
